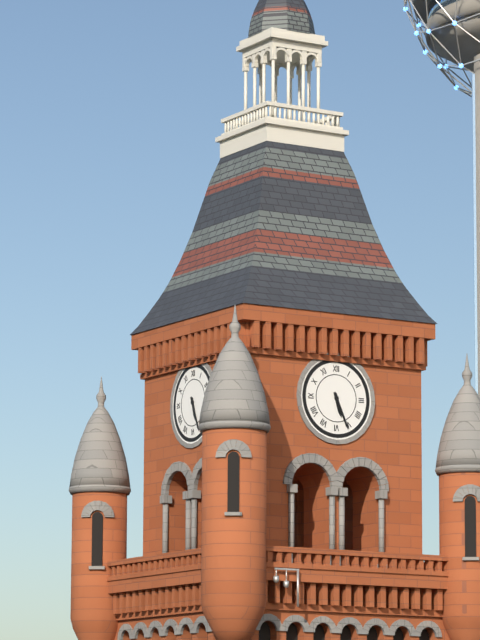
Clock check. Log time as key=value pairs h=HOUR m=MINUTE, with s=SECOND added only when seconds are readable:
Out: h=5 m=26
